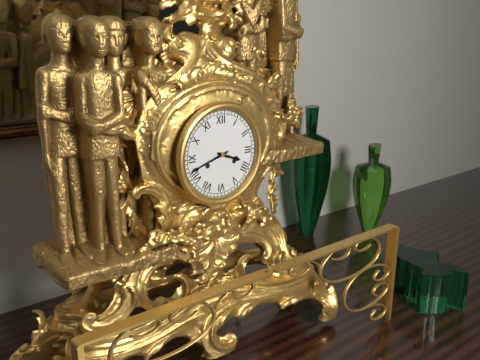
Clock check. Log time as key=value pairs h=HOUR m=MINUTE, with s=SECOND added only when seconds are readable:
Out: h=3 m=42
